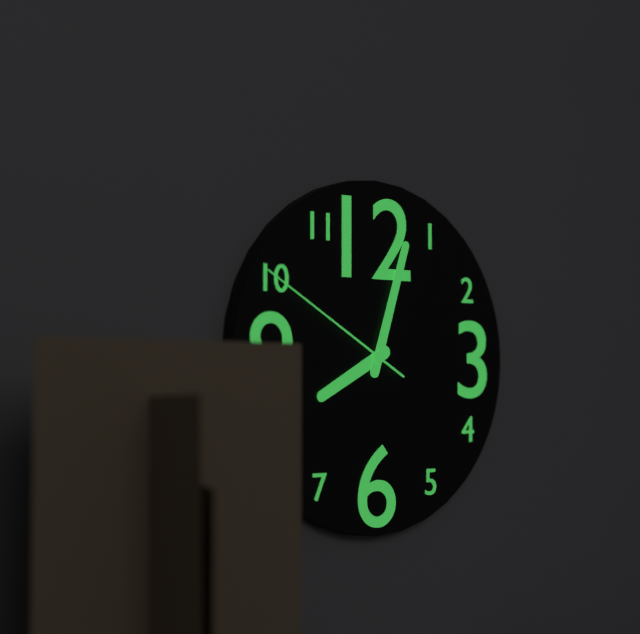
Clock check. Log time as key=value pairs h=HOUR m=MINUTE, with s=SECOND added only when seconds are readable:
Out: h=8 m=3 s=50
